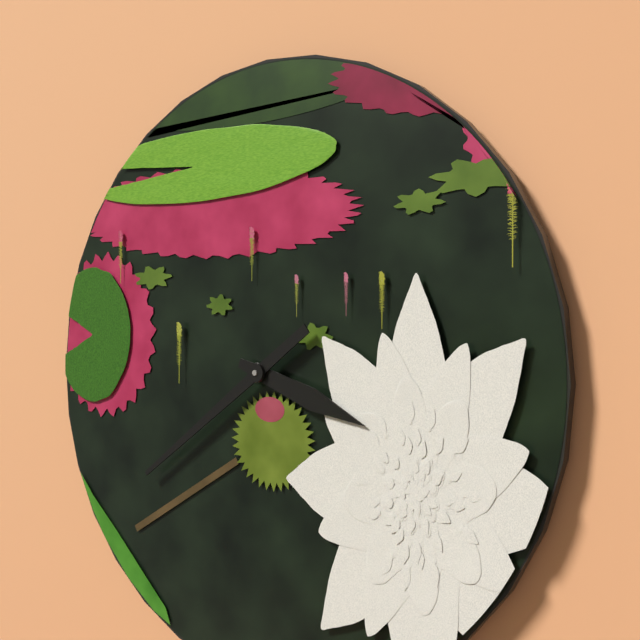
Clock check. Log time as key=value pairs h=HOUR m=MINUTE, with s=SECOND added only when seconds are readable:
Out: h=3 m=39
